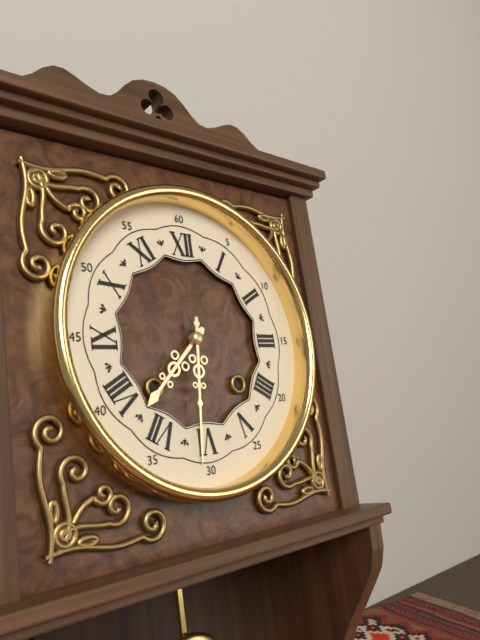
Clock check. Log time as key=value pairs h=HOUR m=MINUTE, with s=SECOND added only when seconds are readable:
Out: h=7 m=31
